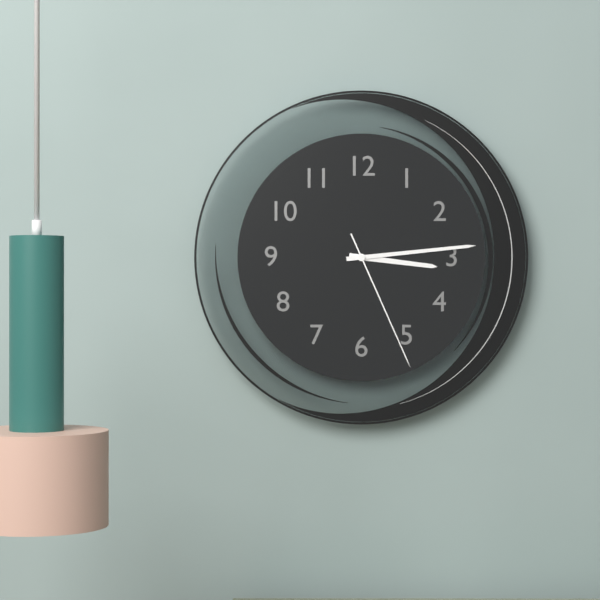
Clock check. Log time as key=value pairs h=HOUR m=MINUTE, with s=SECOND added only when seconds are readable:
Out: h=3 m=14 s=26
